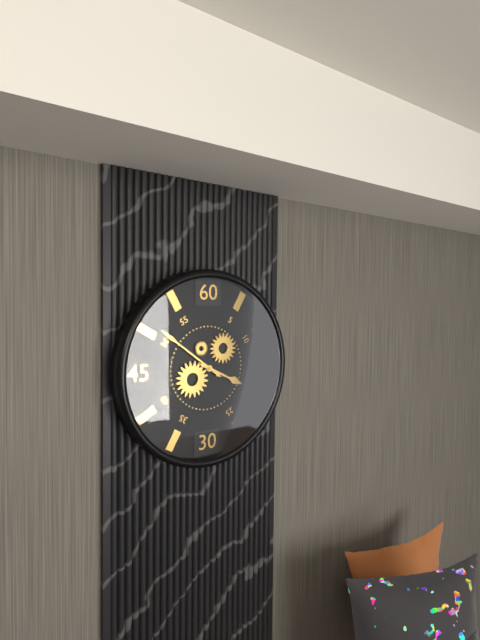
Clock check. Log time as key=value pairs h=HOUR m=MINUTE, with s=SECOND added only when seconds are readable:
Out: h=3 m=51
